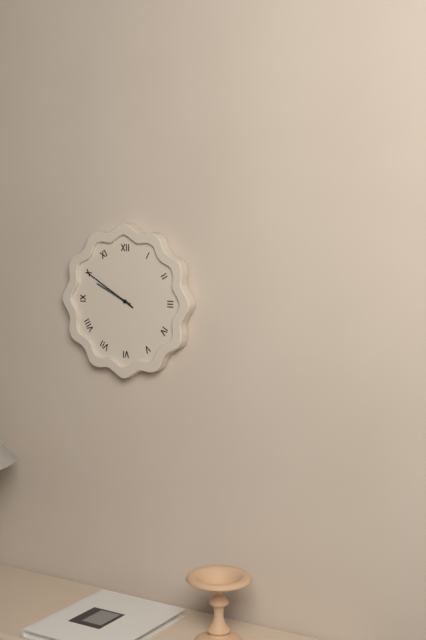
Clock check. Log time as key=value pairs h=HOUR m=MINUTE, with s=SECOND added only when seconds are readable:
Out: h=9 m=50
